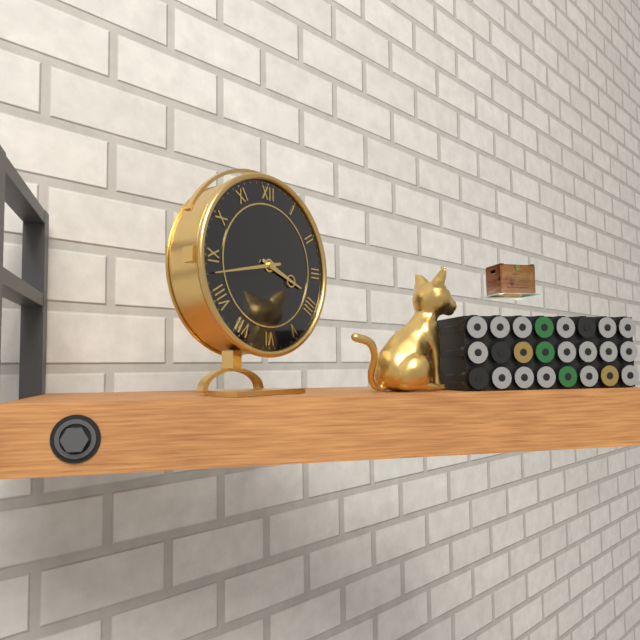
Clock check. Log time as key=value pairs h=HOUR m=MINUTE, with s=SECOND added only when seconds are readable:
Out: h=3 m=43
